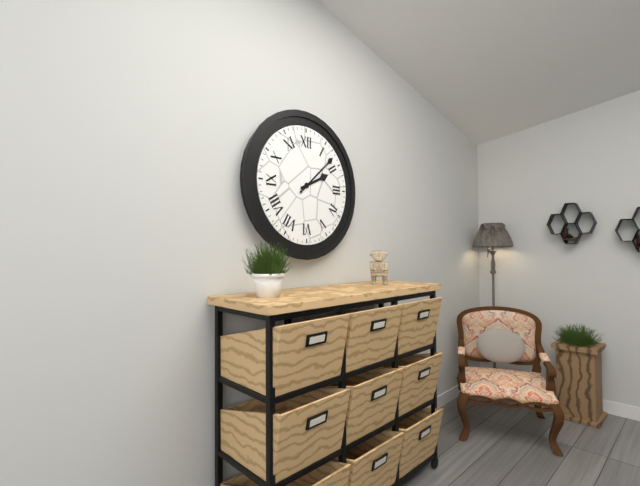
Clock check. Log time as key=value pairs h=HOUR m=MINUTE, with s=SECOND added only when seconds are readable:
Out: h=2 m=8
